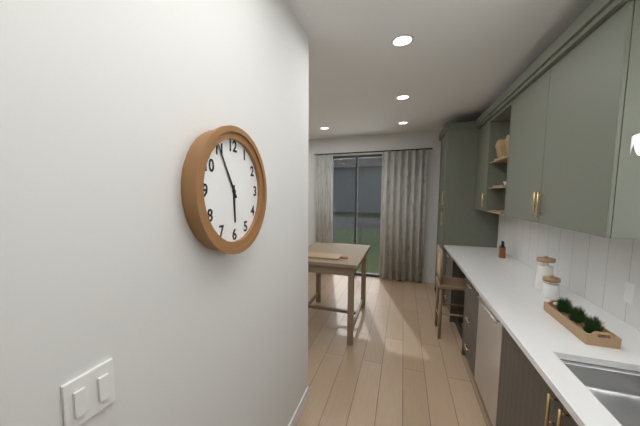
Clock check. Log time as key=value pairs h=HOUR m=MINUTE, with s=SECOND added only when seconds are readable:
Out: h=5 m=55
